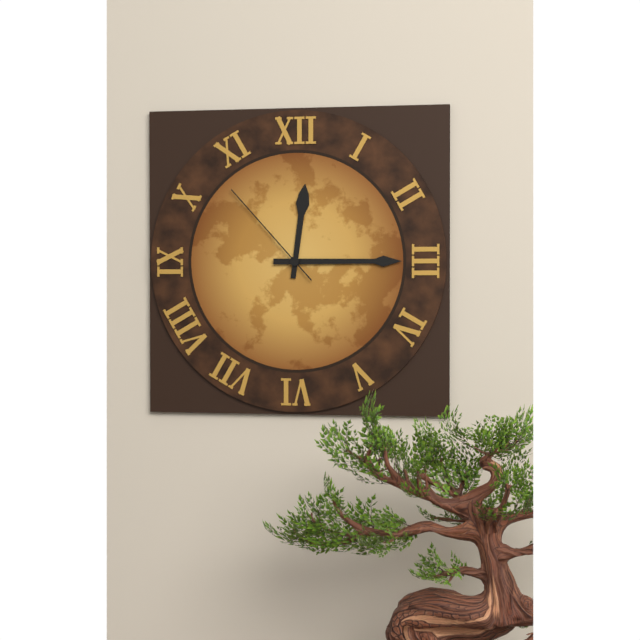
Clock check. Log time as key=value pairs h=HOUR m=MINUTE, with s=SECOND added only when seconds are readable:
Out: h=12 m=15 s=53
